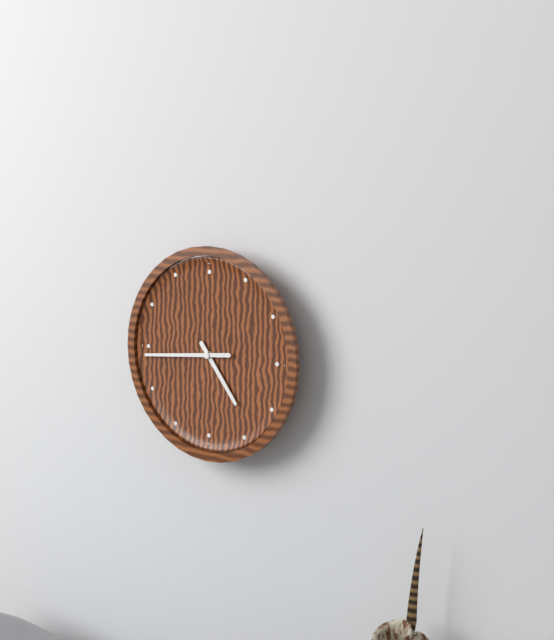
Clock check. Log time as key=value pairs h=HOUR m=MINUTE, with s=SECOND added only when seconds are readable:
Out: h=4 m=44
